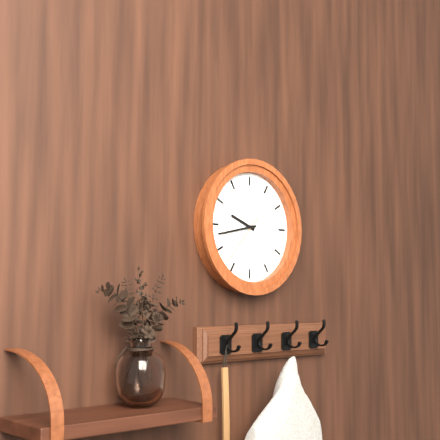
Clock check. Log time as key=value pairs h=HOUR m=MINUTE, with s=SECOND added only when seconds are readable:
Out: h=9 m=43 s=37
